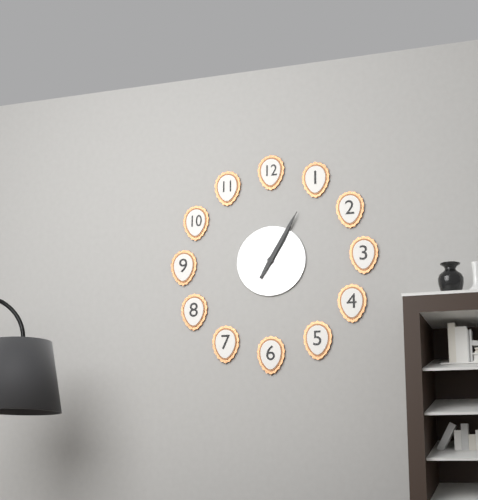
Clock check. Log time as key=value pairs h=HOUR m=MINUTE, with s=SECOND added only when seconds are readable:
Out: h=1 m=5
